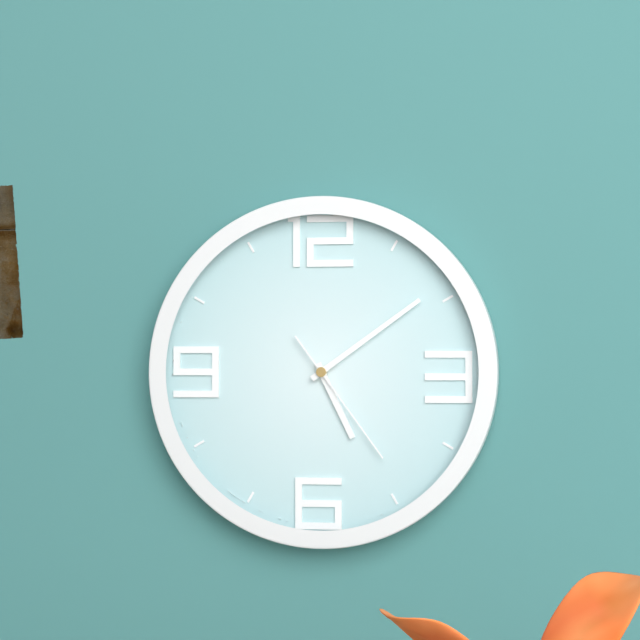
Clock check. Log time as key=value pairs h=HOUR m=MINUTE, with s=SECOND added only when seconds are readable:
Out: h=5 m=9 s=24
